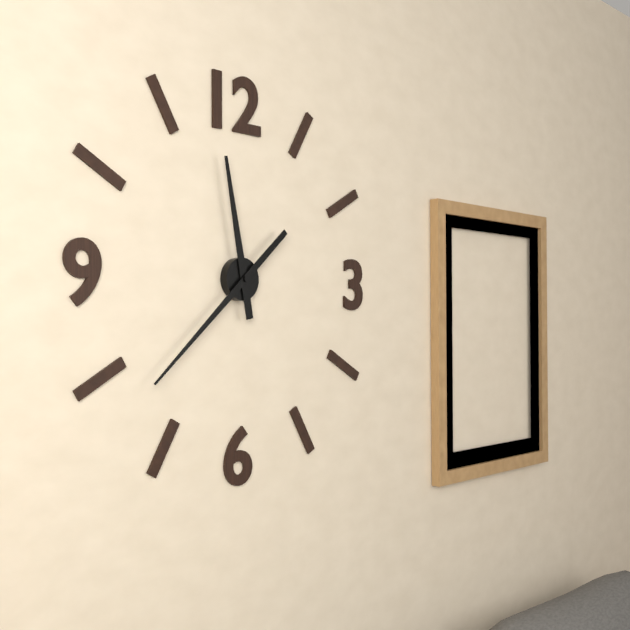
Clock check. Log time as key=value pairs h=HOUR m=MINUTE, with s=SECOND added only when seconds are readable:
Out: h=11 m=38
